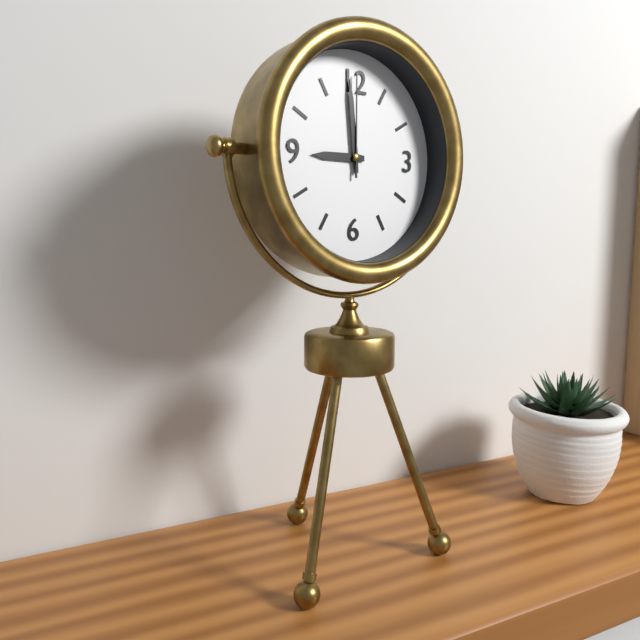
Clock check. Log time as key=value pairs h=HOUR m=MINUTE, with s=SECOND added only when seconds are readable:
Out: h=8 m=59 s=0
